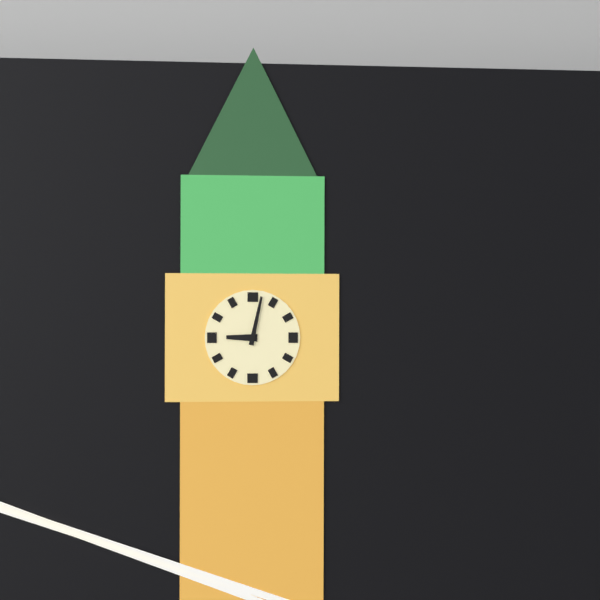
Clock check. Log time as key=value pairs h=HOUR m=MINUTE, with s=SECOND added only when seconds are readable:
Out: h=9 m=2
